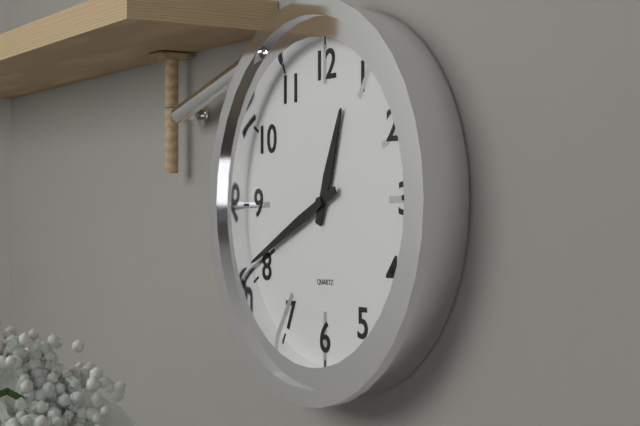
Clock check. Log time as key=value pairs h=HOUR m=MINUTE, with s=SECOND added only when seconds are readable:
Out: h=12 m=41
